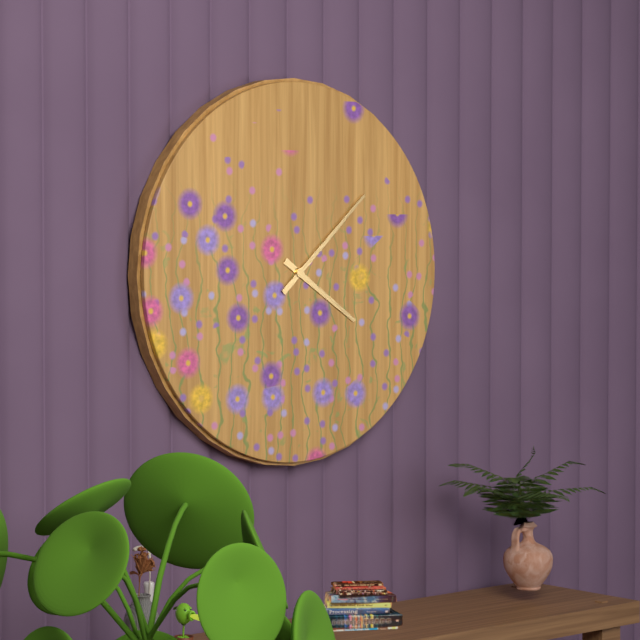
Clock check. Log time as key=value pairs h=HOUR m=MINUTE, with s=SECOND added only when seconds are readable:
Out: h=4 m=8
